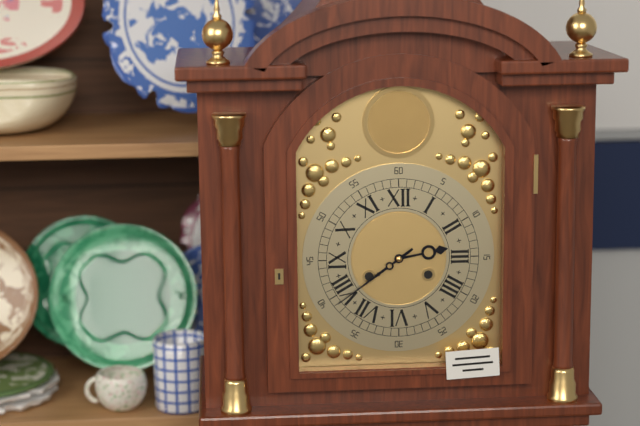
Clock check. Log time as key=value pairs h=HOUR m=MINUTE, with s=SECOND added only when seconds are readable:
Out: h=2 m=39
